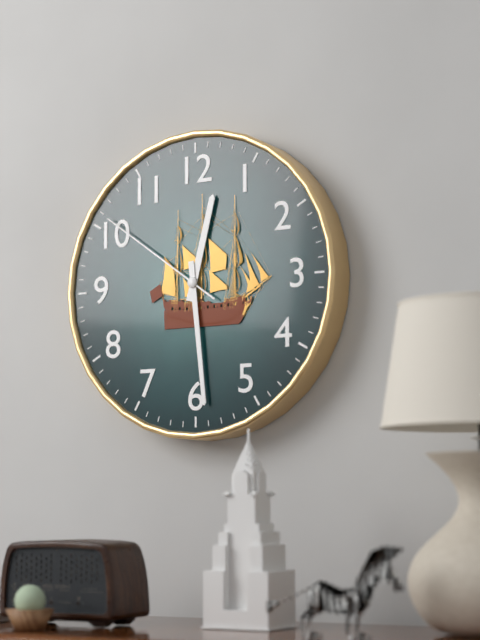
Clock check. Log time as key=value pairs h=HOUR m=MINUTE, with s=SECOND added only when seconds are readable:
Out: h=12 m=29 s=51
